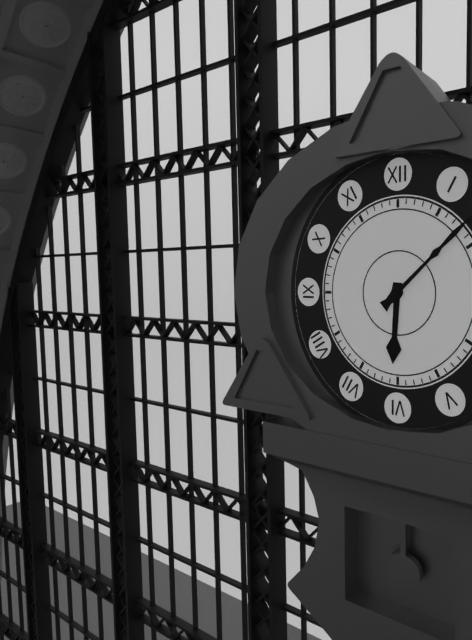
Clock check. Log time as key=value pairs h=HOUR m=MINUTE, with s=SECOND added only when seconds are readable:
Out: h=6 m=8
